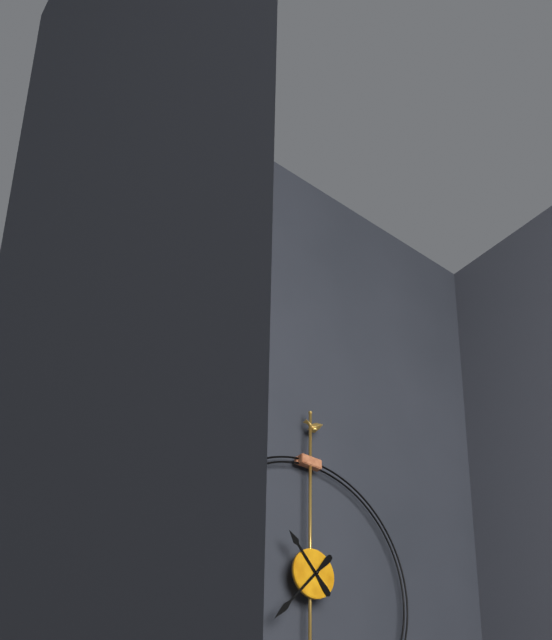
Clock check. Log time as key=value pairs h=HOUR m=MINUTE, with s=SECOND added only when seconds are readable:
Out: h=10 m=37
